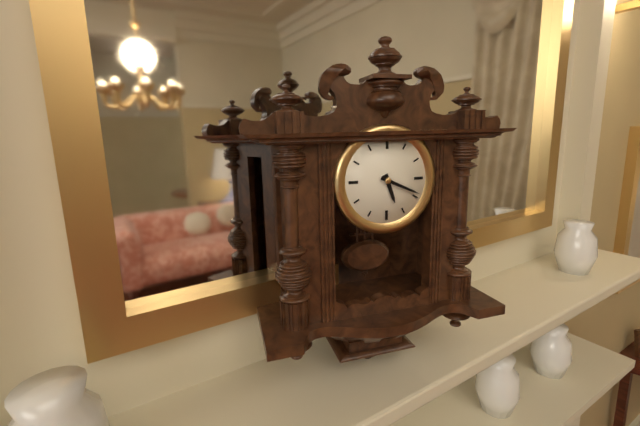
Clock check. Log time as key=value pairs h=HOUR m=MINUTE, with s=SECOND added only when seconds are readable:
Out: h=5 m=19
